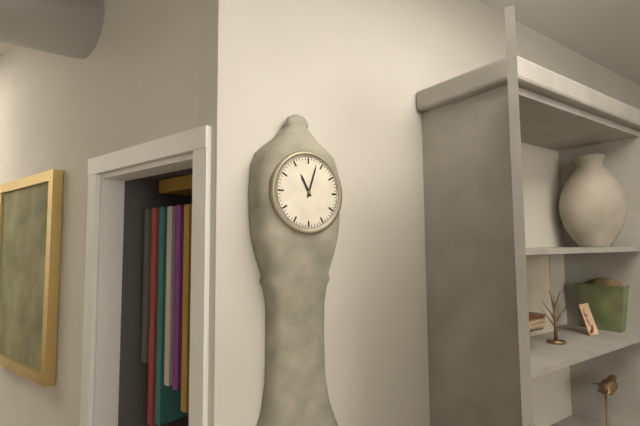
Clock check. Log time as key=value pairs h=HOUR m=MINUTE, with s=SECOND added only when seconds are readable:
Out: h=11 m=3
